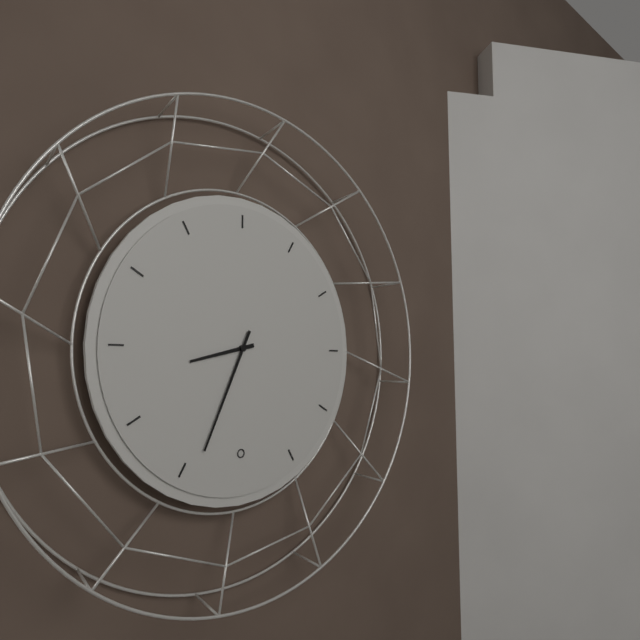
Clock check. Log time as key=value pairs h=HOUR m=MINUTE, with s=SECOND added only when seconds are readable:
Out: h=8 m=34
